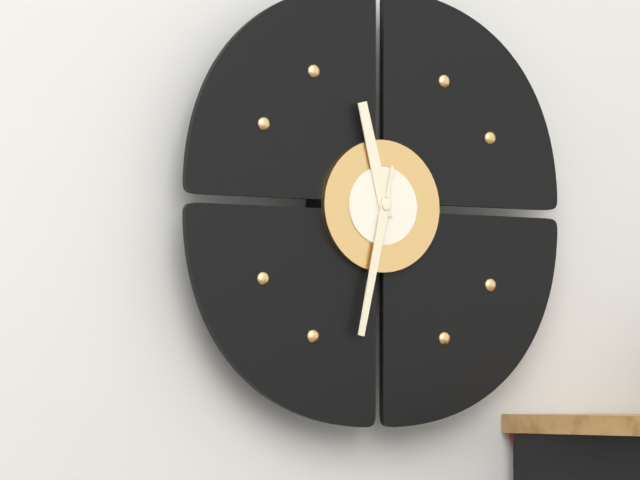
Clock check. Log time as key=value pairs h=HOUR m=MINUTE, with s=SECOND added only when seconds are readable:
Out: h=11 m=32
